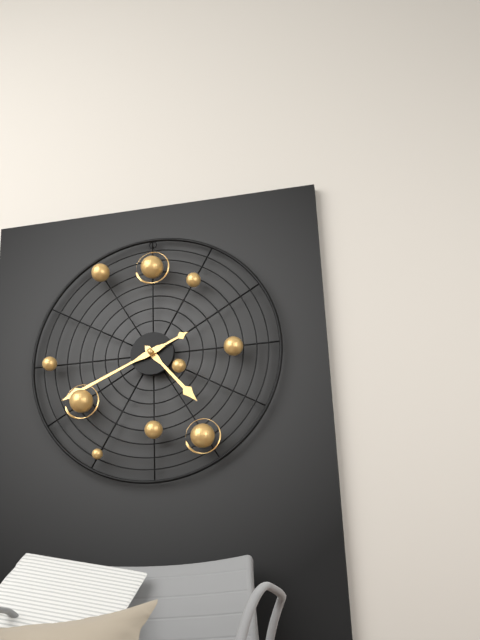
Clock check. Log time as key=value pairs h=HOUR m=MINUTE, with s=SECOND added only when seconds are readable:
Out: h=4 m=41
